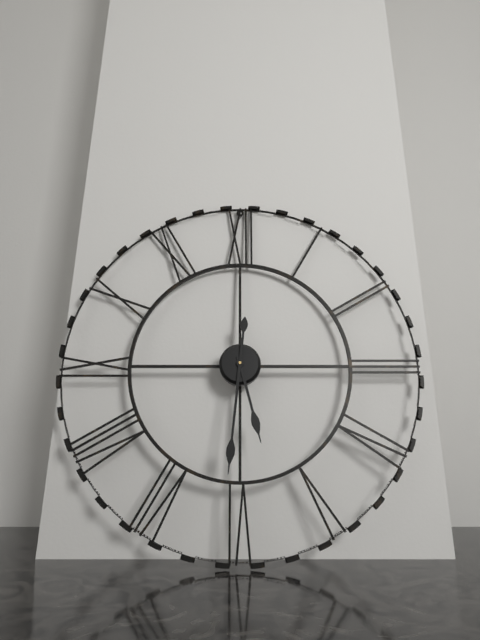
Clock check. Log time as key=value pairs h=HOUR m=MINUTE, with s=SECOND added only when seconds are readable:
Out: h=5 m=31
